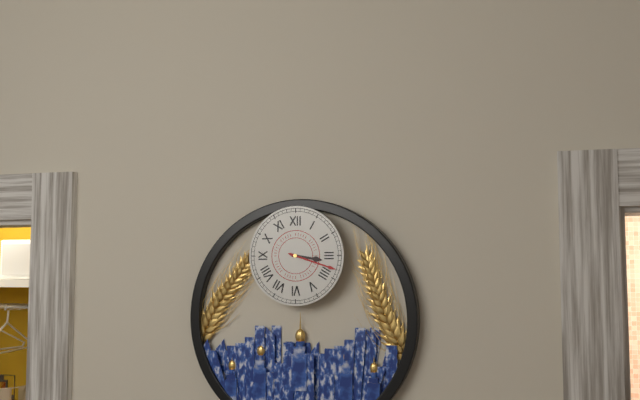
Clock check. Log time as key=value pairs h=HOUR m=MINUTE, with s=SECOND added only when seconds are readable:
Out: h=3 m=18
